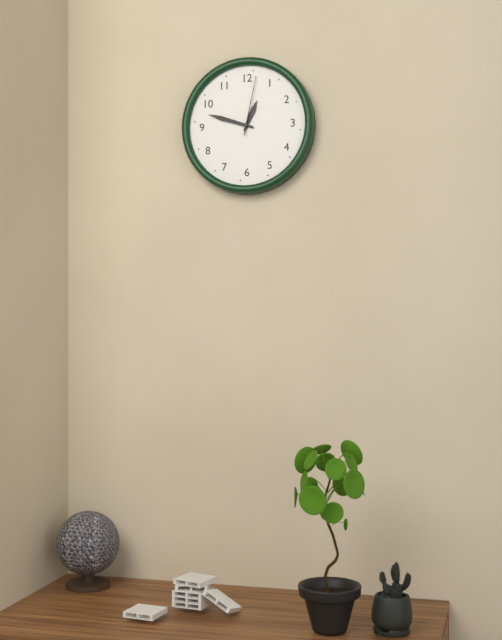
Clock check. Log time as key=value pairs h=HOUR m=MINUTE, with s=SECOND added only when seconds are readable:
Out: h=12 m=48 s=2
